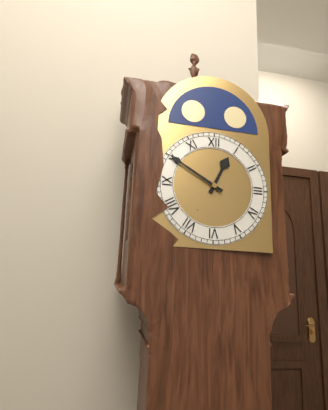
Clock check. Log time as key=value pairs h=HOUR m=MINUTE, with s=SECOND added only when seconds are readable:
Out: h=12 m=50
